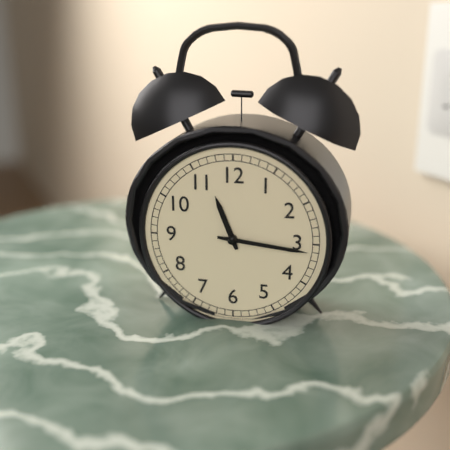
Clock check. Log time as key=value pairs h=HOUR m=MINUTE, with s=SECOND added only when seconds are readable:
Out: h=11 m=16
